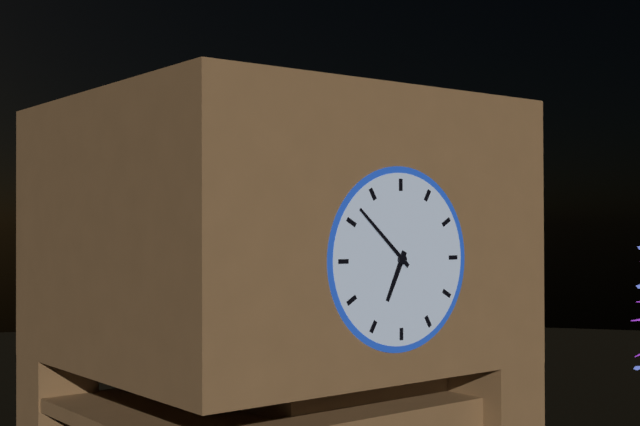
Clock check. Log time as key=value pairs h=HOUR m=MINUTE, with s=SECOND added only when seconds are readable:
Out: h=6 m=52
